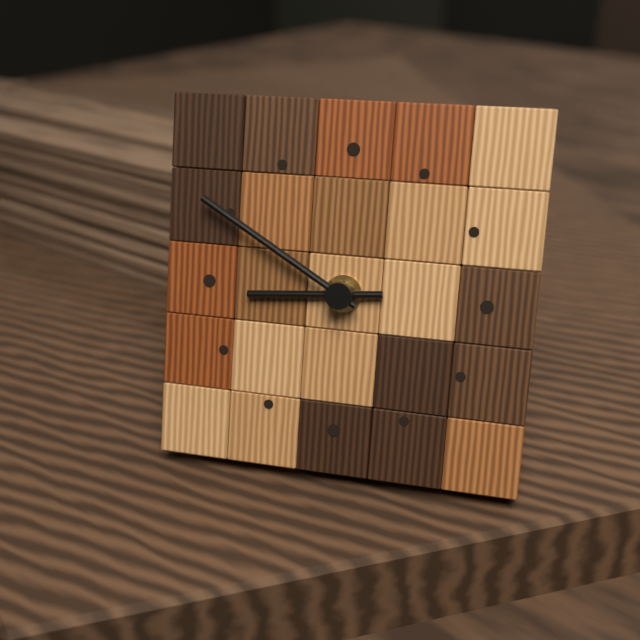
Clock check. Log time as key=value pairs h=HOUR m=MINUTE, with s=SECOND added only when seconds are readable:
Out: h=8 m=50
